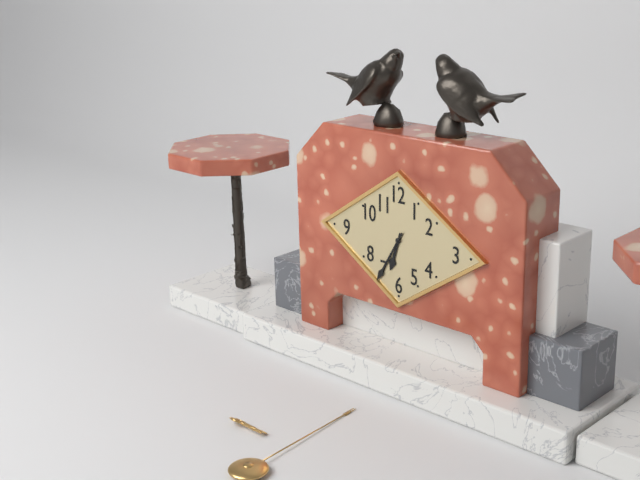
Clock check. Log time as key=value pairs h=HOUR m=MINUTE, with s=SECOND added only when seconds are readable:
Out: h=6 m=35
